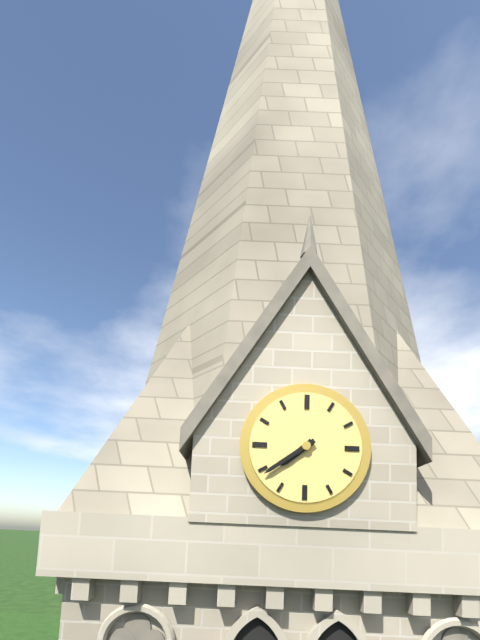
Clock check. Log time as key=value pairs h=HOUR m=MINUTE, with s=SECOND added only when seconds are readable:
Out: h=7 m=39
